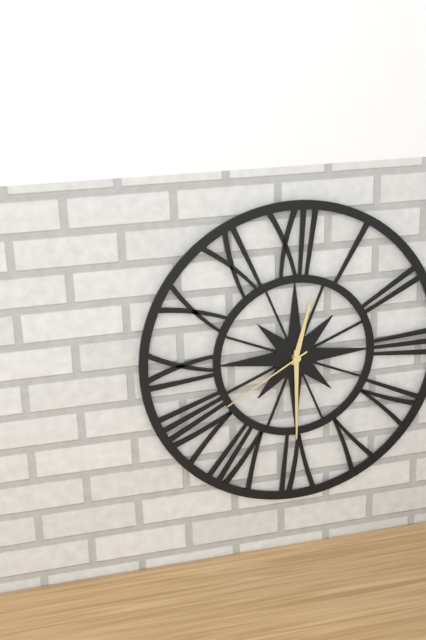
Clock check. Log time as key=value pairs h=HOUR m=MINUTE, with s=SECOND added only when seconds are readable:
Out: h=12 m=30 s=40
